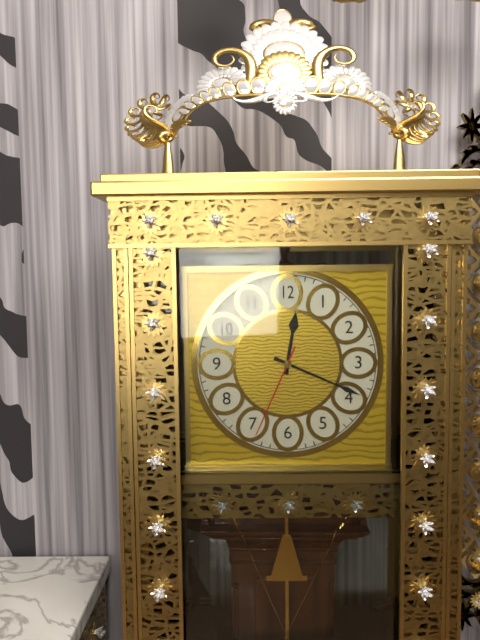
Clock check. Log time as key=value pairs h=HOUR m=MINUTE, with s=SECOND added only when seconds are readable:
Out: h=12 m=19 s=34
